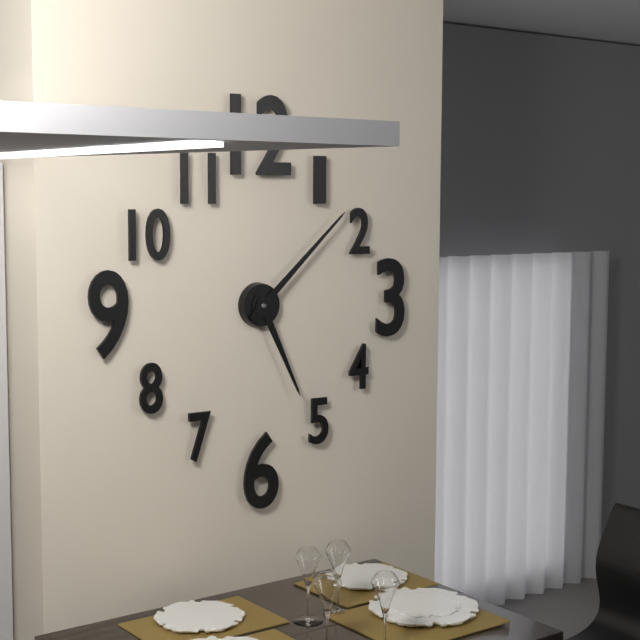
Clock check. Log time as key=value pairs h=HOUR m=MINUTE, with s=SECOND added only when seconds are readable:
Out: h=5 m=8
